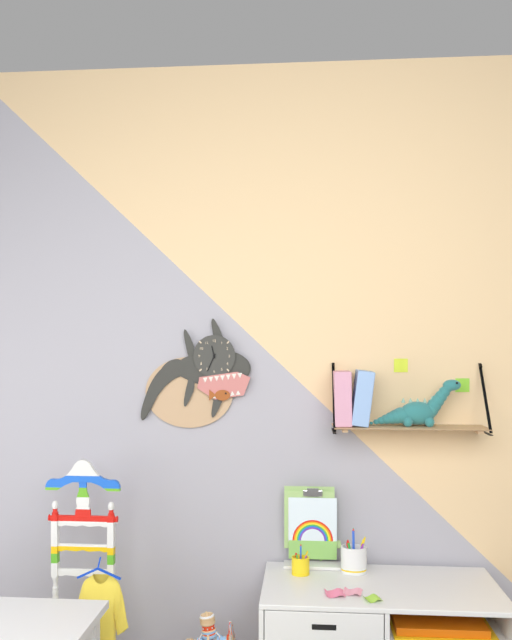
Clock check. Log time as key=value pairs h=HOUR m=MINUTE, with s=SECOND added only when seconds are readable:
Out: h=11 m=34
